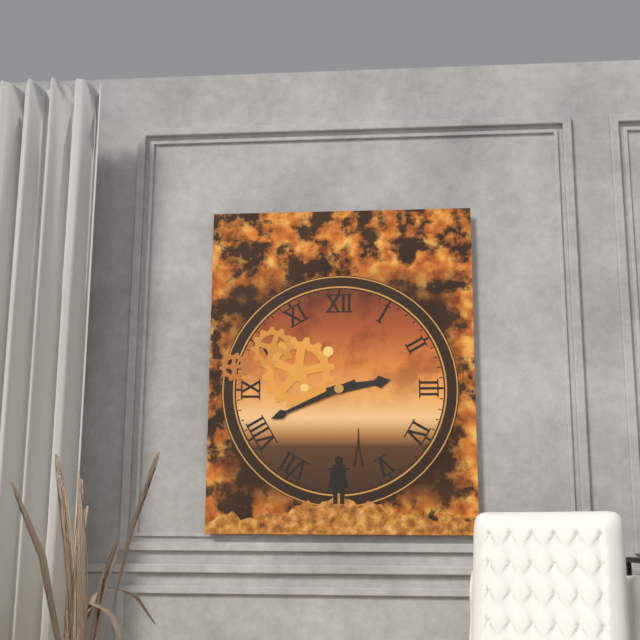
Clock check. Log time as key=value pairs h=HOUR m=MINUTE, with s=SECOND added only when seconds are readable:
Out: h=2 m=41
